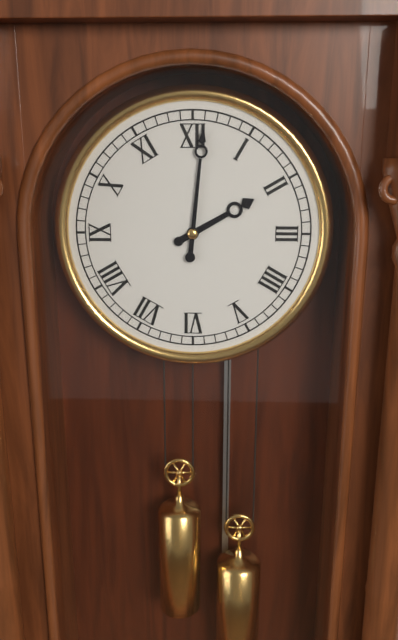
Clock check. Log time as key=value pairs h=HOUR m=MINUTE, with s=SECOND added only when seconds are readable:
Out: h=2 m=1
